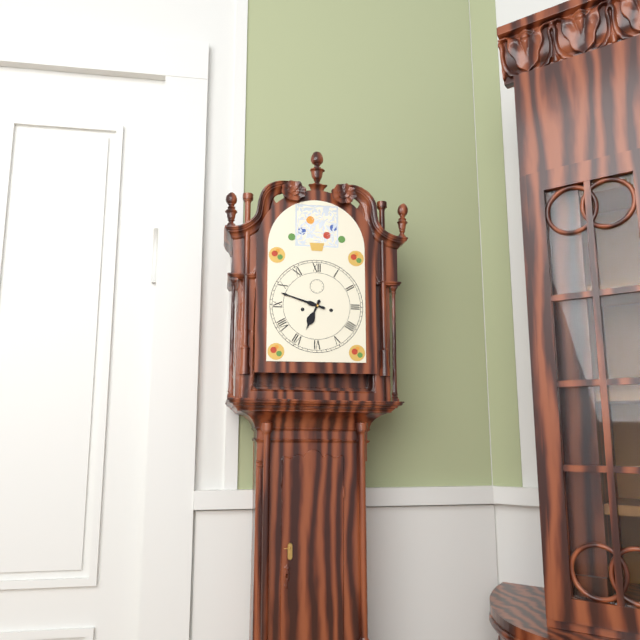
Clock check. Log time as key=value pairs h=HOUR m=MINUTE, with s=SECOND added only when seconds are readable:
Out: h=6 m=48
